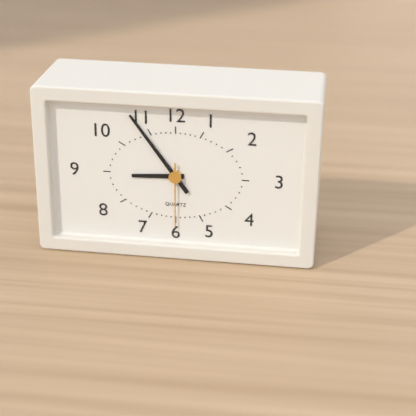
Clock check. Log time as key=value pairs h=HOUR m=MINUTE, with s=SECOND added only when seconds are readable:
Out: h=8 m=54 s=30
